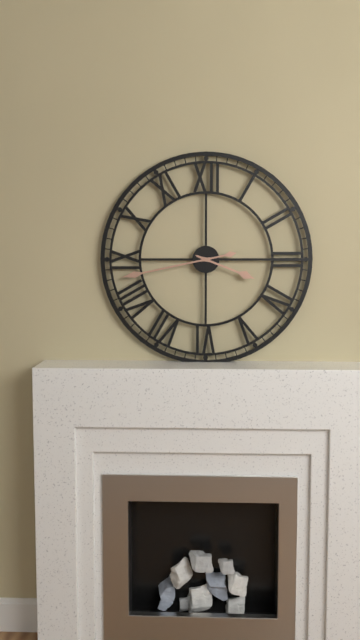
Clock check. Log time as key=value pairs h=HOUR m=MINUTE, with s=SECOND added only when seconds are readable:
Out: h=3 m=43
